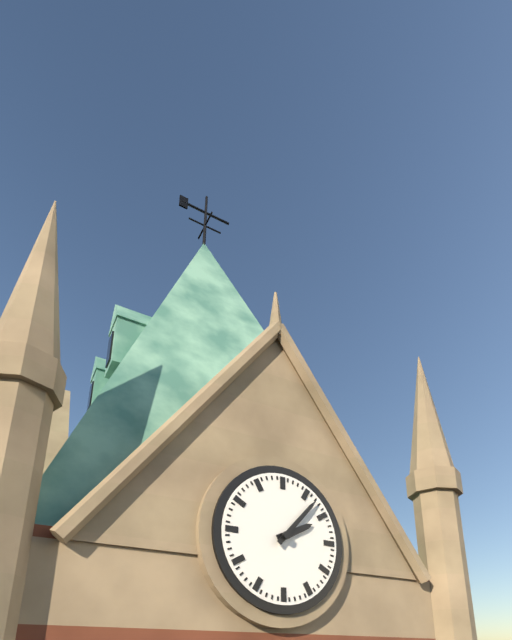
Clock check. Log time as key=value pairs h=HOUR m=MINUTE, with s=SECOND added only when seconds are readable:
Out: h=2 m=7
